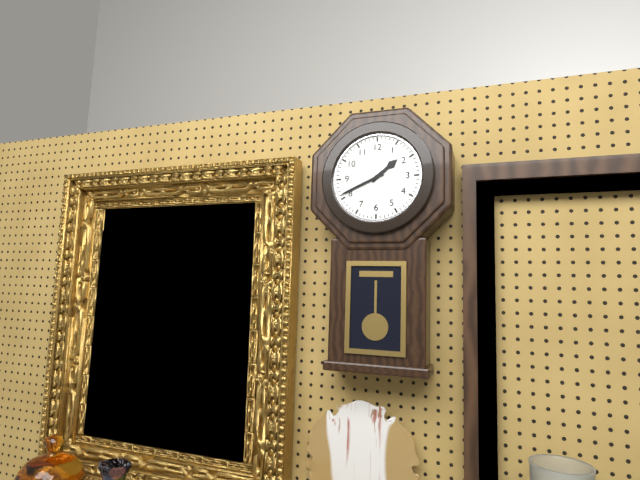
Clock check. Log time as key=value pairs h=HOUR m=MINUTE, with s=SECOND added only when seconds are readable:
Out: h=1 m=41
